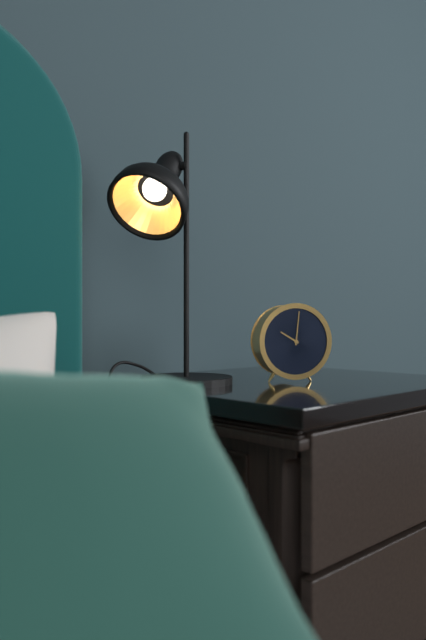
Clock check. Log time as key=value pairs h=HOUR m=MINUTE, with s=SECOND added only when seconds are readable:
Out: h=10 m=1
